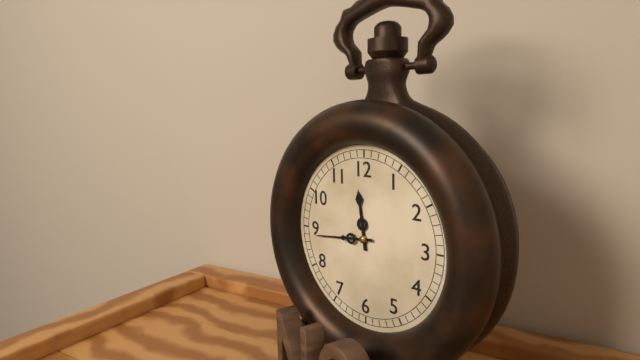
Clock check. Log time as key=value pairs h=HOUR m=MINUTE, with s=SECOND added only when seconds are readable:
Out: h=11 m=44
